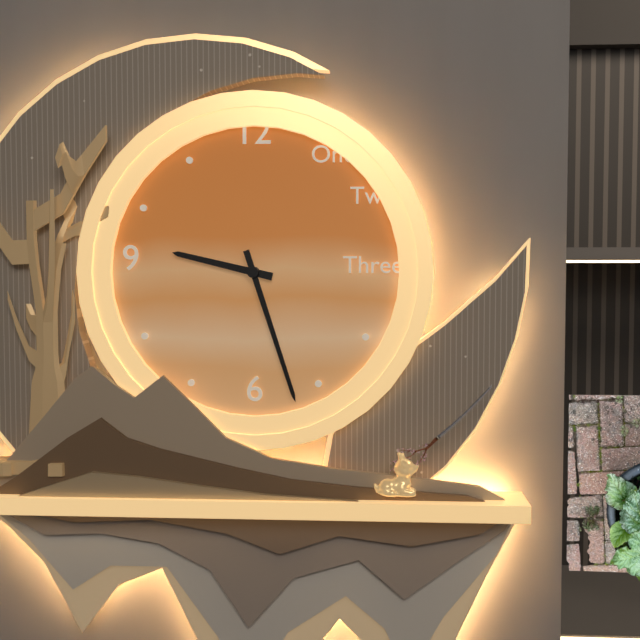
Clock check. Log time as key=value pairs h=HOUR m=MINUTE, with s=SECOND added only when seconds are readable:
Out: h=9 m=27
